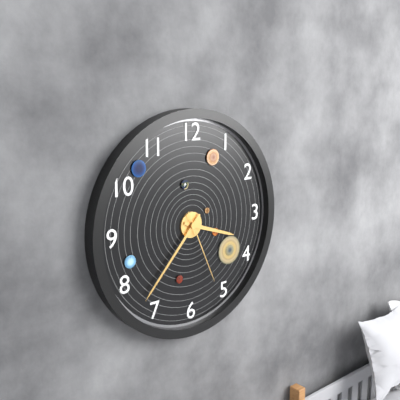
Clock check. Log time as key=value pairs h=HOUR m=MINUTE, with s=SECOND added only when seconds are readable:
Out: h=3 m=37 s=26
